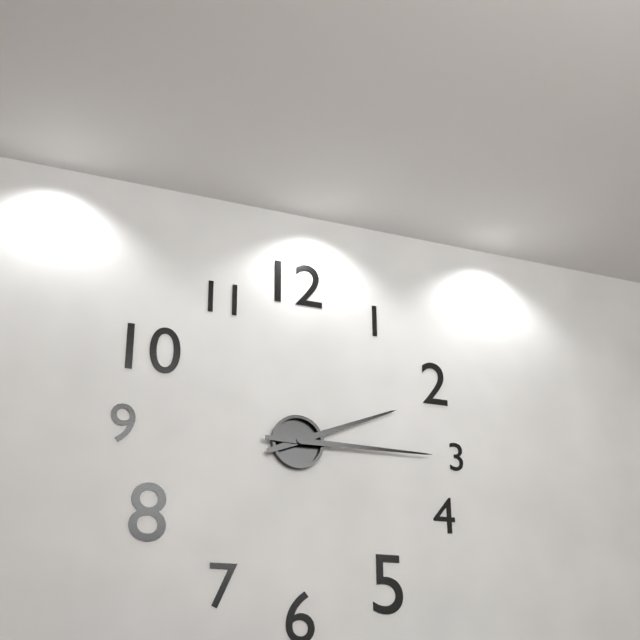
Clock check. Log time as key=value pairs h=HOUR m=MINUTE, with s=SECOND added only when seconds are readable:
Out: h=2 m=15
